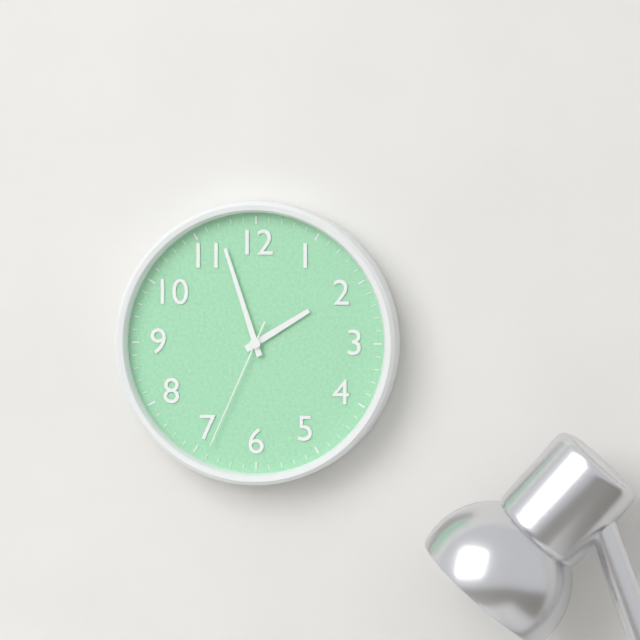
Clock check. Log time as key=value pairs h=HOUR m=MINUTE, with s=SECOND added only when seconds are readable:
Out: h=1 m=57 s=34
